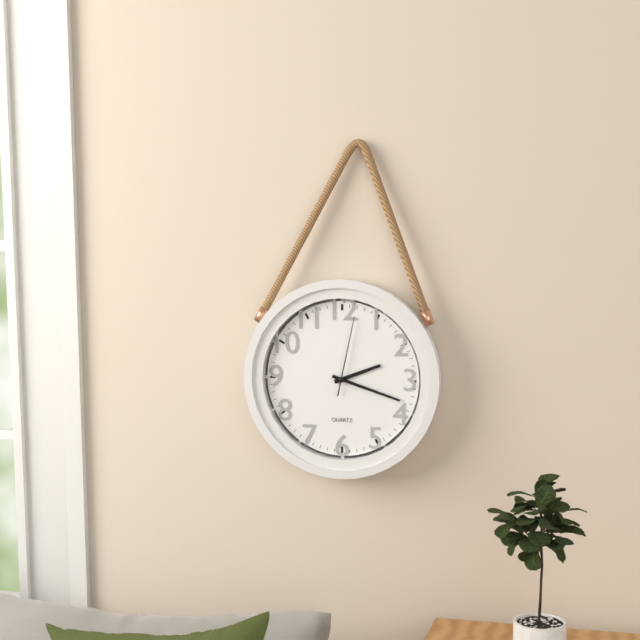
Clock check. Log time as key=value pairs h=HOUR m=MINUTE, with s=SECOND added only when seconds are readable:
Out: h=2 m=18 s=2
